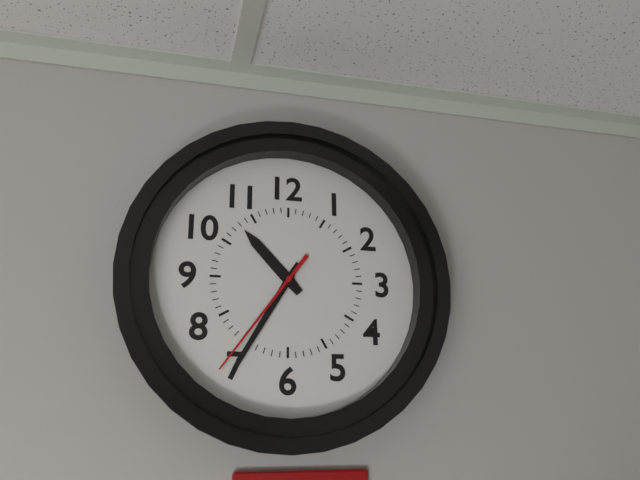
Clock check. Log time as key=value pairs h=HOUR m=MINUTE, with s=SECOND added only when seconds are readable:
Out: h=10 m=35 s=36
